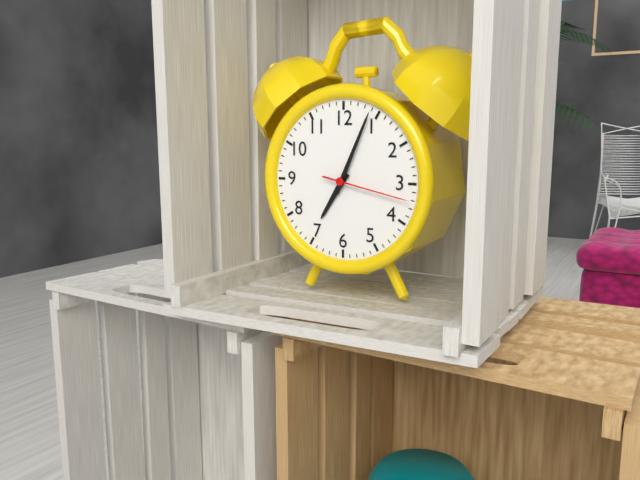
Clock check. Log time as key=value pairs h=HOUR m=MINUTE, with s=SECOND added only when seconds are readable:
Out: h=7 m=4 s=17
